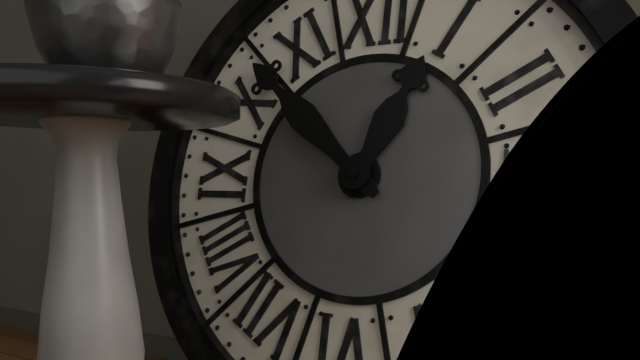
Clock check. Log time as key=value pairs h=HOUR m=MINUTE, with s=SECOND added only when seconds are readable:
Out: h=12 m=52
